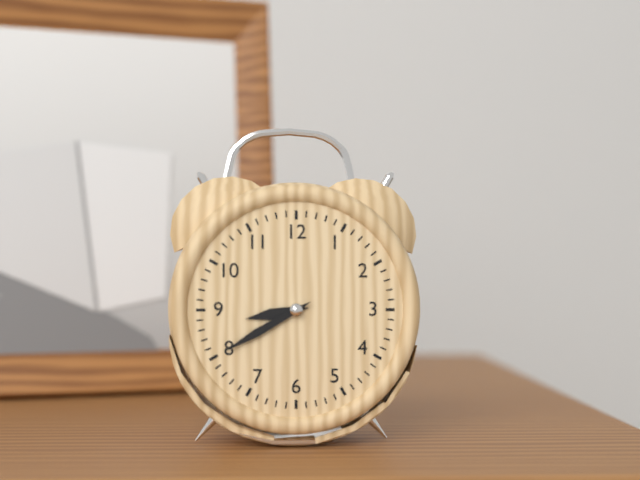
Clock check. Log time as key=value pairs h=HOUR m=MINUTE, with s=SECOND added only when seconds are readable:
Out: h=8 m=40
